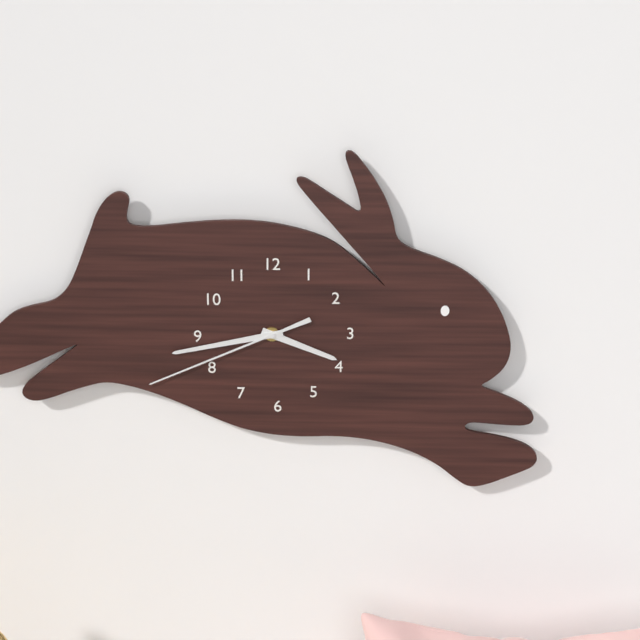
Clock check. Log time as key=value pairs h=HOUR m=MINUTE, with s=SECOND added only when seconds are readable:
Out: h=3 m=43 s=41
